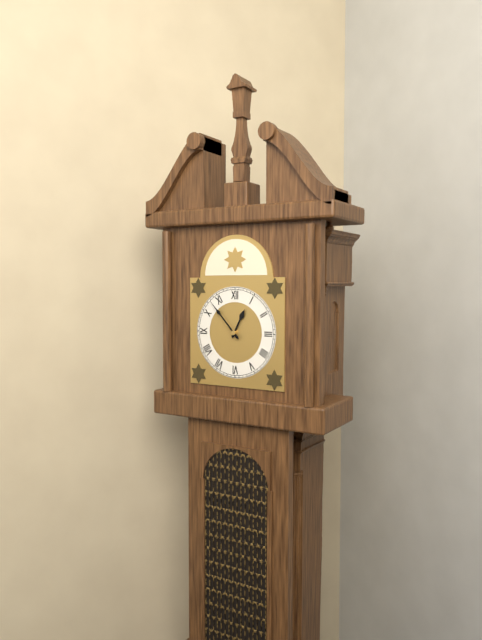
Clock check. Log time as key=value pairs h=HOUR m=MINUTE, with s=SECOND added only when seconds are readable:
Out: h=12 m=53
